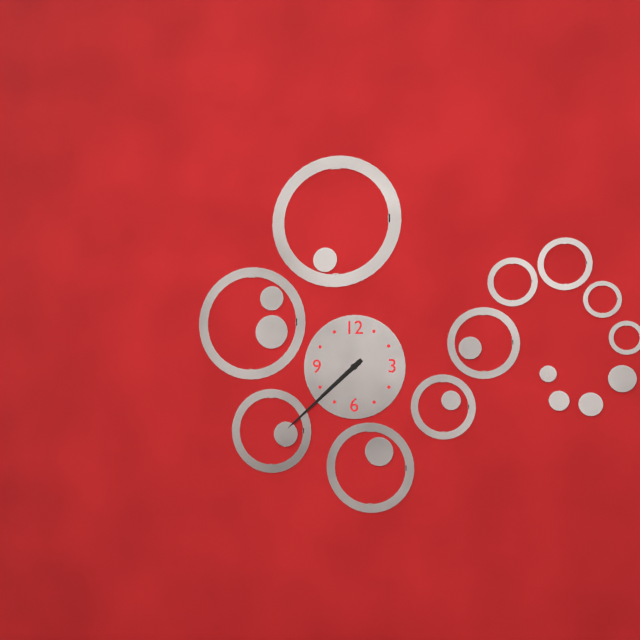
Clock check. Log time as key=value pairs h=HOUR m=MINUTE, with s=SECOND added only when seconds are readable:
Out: h=7 m=38
